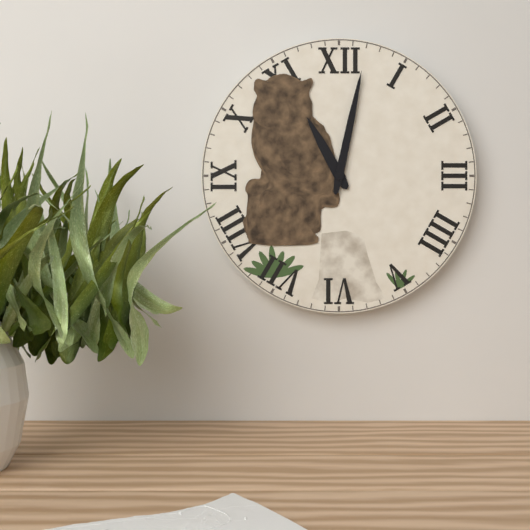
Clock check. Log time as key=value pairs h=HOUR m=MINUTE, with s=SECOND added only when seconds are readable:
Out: h=11 m=2
